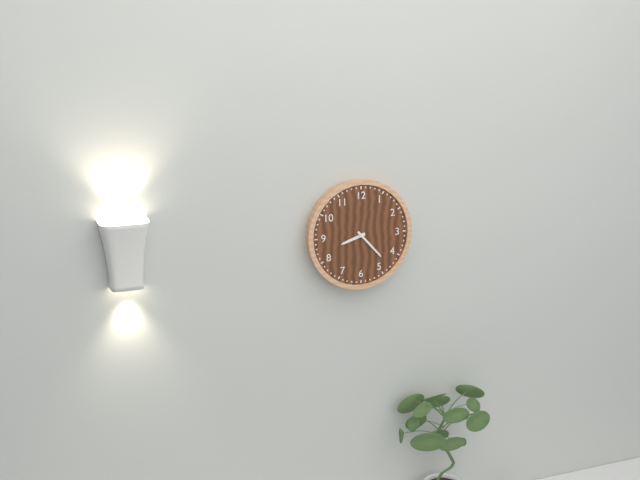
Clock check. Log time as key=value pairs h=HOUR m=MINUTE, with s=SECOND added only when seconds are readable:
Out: h=8 m=23
